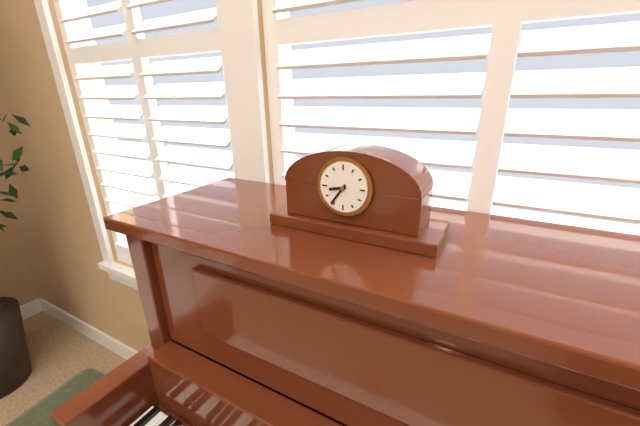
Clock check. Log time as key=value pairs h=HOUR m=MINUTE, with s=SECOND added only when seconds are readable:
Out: h=8 m=36
